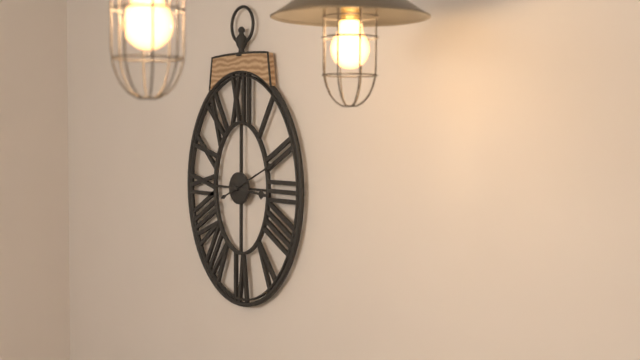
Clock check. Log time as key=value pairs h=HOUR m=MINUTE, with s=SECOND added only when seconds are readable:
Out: h=3 m=11
